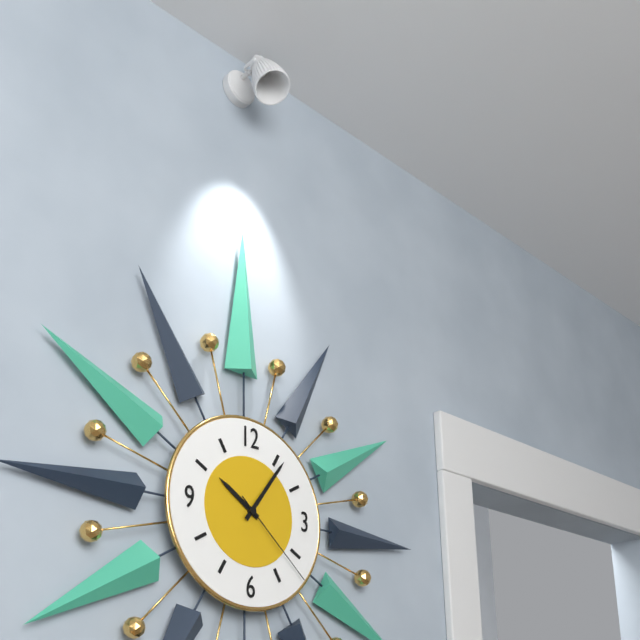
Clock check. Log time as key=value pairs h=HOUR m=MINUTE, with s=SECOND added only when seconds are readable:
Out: h=10 m=6 s=22
